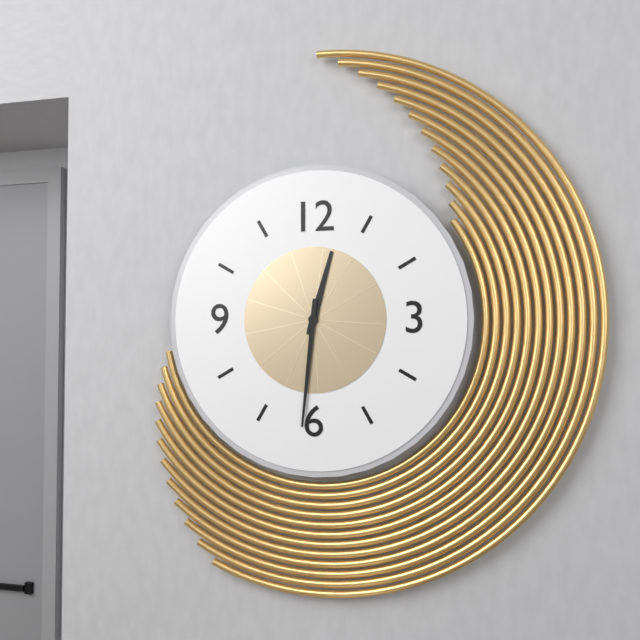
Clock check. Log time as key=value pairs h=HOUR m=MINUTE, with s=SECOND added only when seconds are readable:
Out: h=12 m=31
